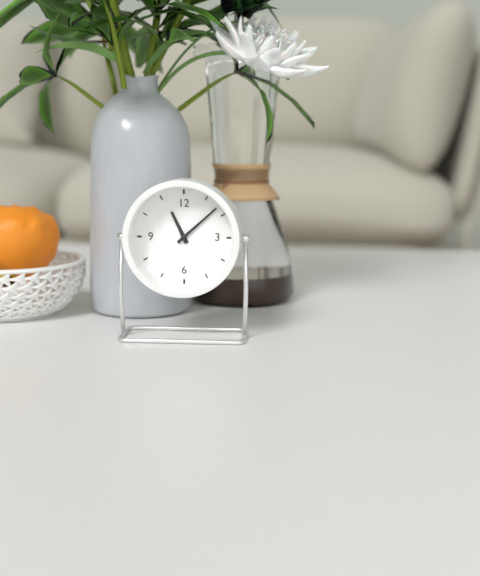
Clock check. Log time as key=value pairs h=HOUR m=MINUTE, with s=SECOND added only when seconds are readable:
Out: h=11 m=8
